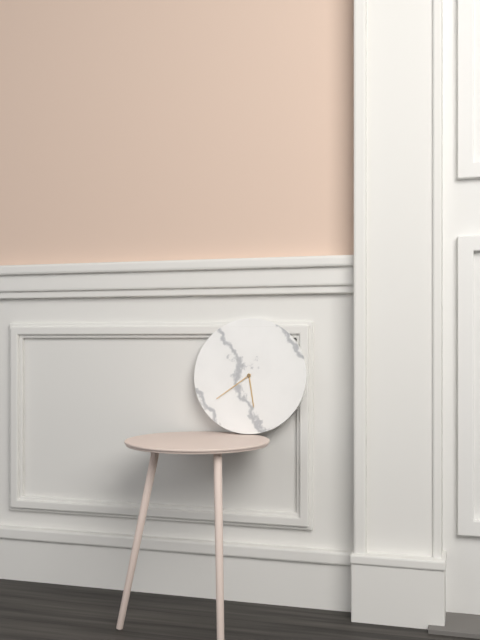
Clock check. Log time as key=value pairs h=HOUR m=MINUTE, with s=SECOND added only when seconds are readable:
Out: h=5 m=39
